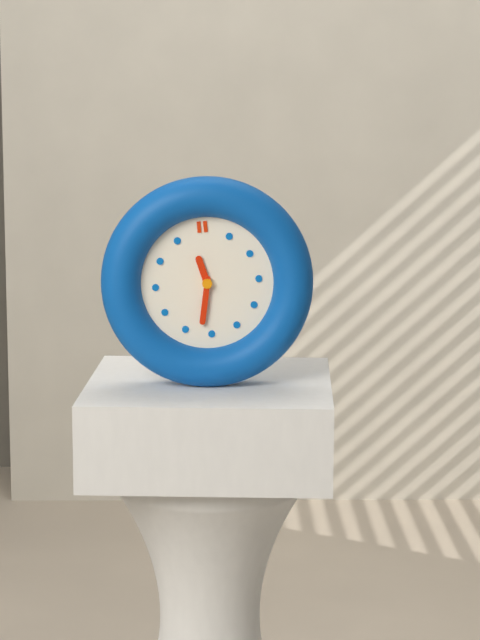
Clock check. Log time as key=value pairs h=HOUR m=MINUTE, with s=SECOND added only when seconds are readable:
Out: h=11 m=32
